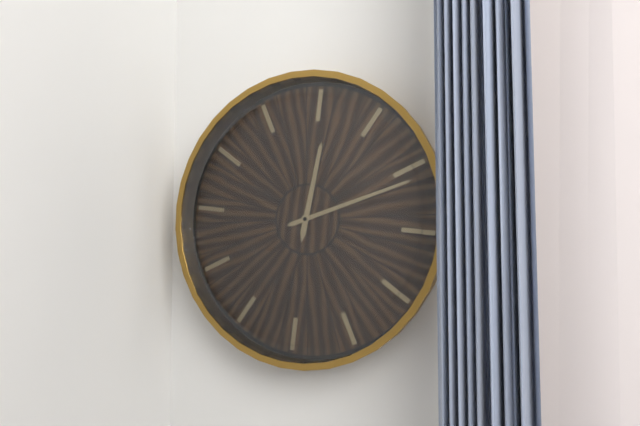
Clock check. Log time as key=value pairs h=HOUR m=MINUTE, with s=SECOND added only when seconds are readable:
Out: h=12 m=11
